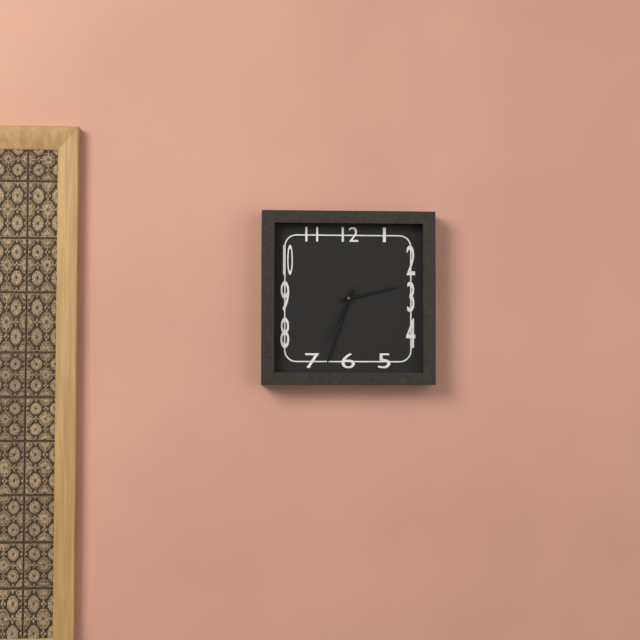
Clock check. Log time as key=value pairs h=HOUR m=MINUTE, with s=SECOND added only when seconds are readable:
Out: h=2 m=33 s=35
